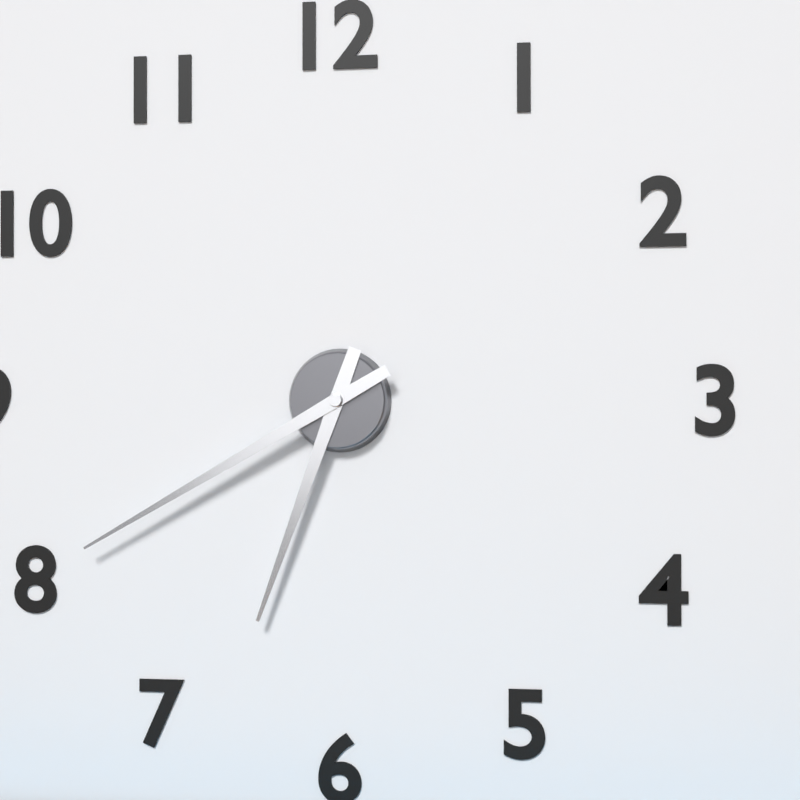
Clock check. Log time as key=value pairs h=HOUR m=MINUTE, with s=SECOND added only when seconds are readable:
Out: h=6 m=40
